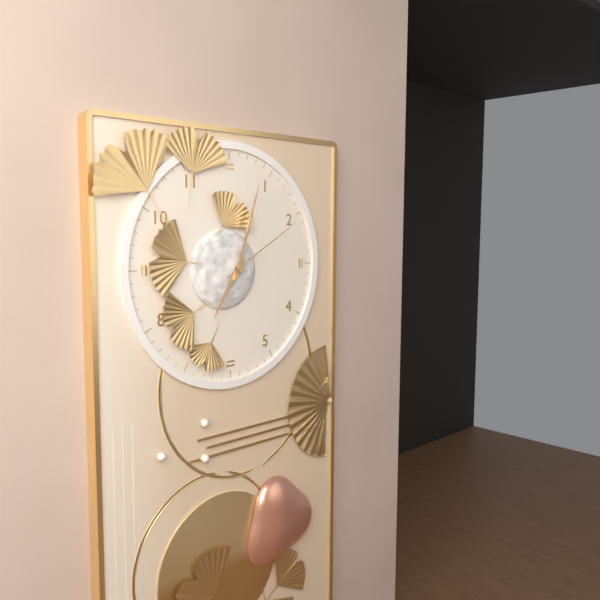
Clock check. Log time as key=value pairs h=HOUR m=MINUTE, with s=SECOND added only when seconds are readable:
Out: h=7 m=3 s=10
